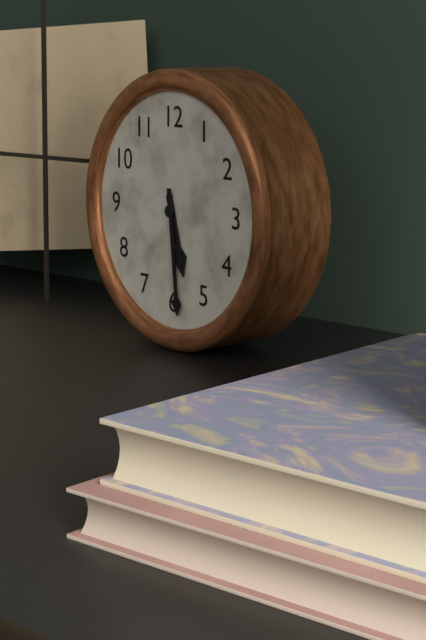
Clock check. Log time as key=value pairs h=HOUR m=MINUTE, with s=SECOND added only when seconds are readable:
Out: h=5 m=29
